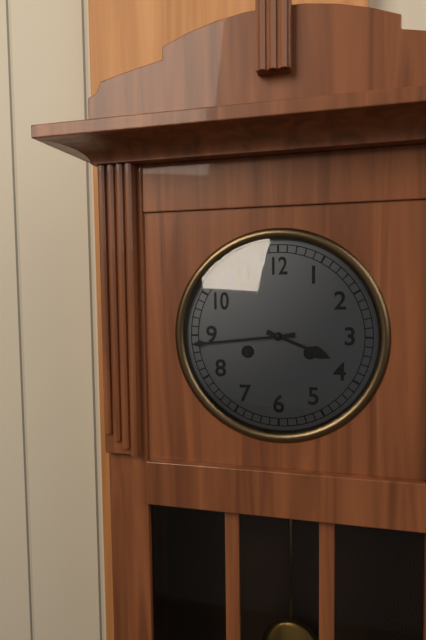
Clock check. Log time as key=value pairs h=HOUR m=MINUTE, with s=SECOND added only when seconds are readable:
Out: h=3 m=44
